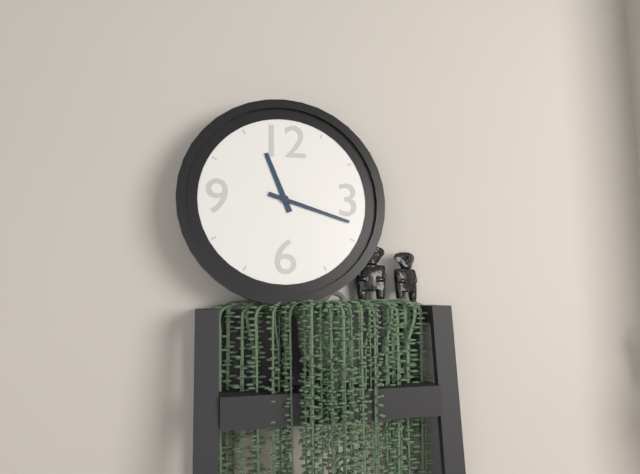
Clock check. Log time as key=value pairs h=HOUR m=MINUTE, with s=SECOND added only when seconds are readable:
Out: h=11 m=18
